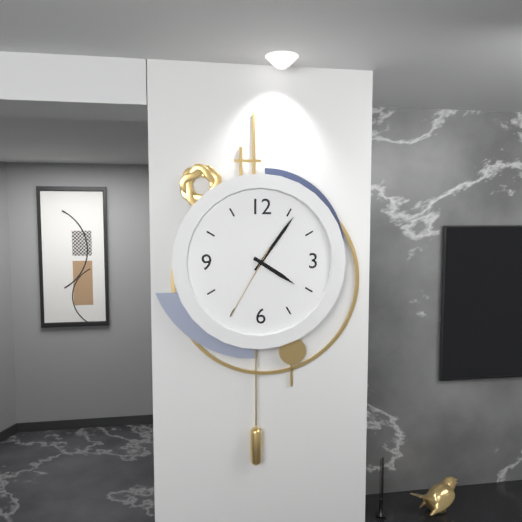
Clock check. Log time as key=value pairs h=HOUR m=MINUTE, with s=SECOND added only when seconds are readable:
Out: h=4 m=6 s=35
